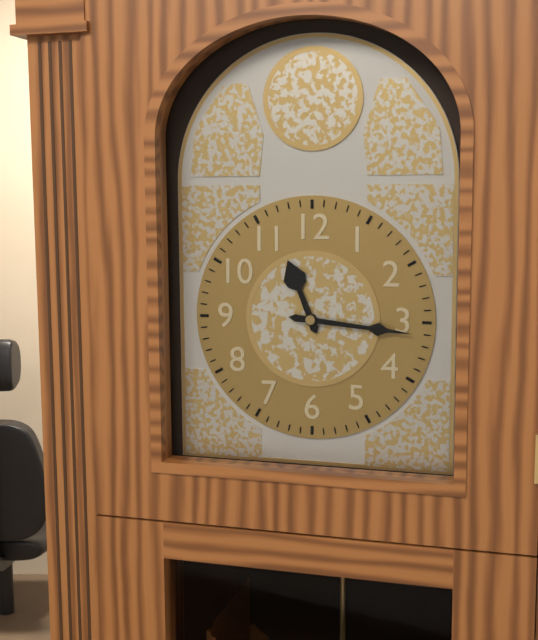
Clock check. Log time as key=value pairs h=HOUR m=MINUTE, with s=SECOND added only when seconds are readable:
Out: h=11 m=16
